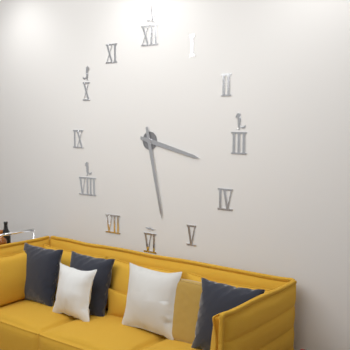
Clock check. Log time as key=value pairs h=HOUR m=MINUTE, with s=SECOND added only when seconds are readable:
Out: h=3 m=28
